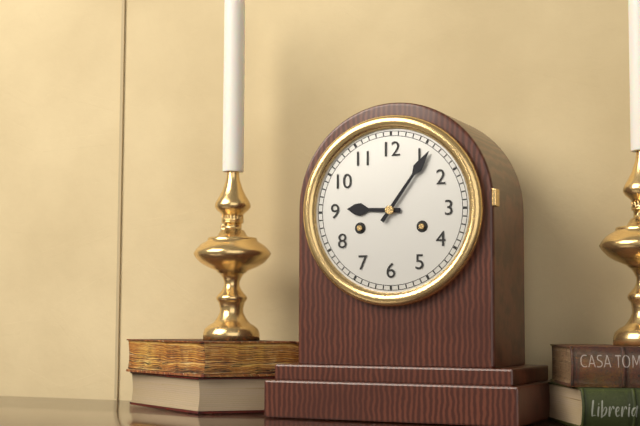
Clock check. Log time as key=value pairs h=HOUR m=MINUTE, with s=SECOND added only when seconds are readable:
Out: h=9 m=6
